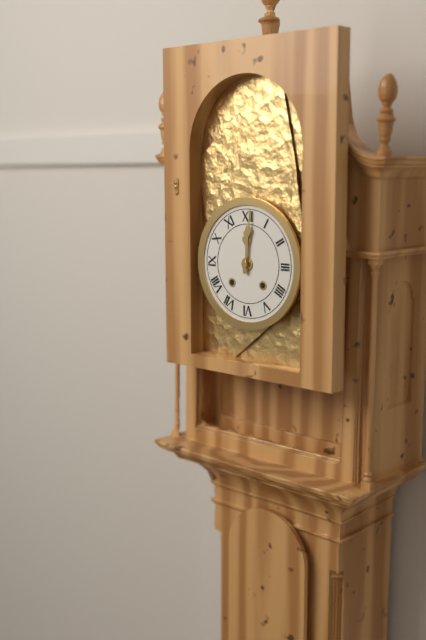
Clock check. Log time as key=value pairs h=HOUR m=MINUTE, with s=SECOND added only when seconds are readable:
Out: h=12 m=1
